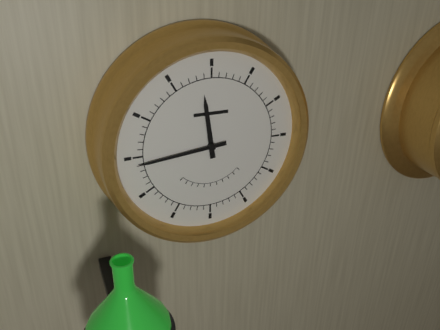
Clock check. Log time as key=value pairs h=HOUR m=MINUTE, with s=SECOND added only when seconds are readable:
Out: h=11 m=44
